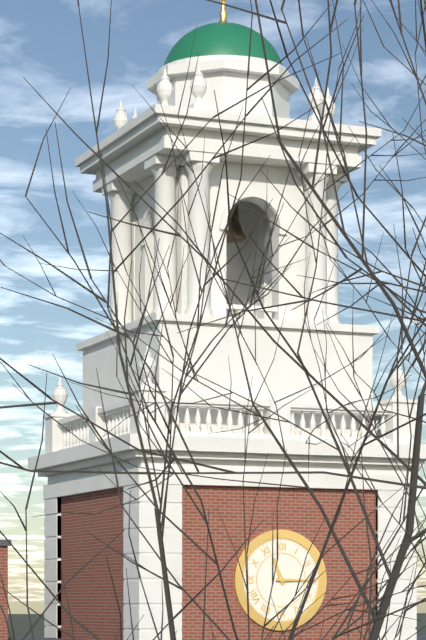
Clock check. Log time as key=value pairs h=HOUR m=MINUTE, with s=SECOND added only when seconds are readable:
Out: h=11 m=15
